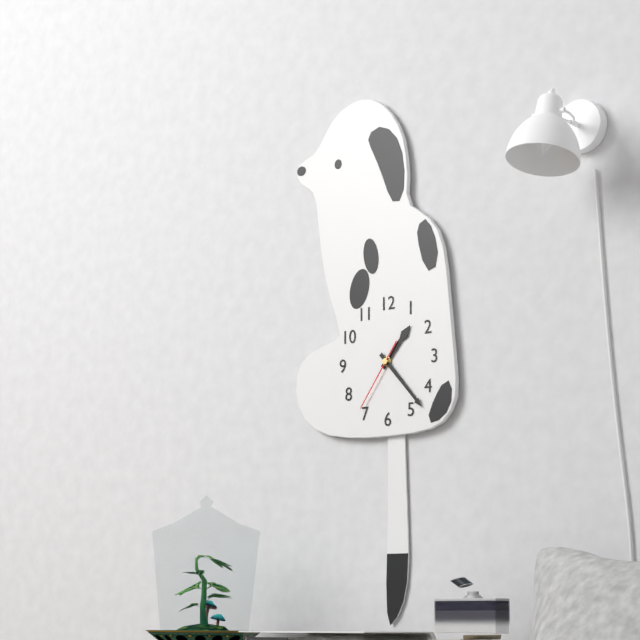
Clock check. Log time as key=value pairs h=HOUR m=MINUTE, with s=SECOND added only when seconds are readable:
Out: h=1 m=23 s=36
